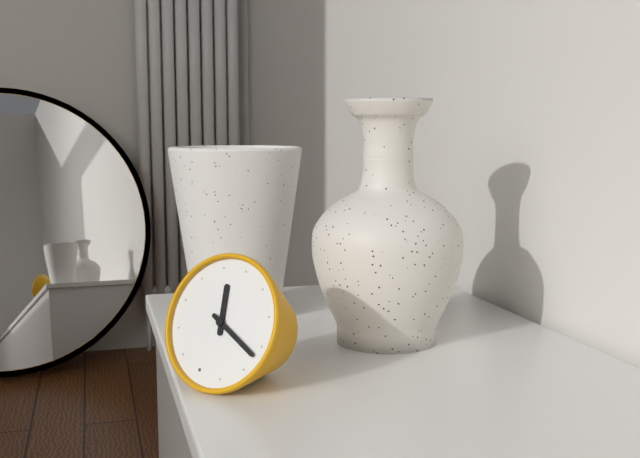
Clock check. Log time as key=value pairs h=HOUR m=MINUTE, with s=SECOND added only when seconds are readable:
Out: h=11 m=17
